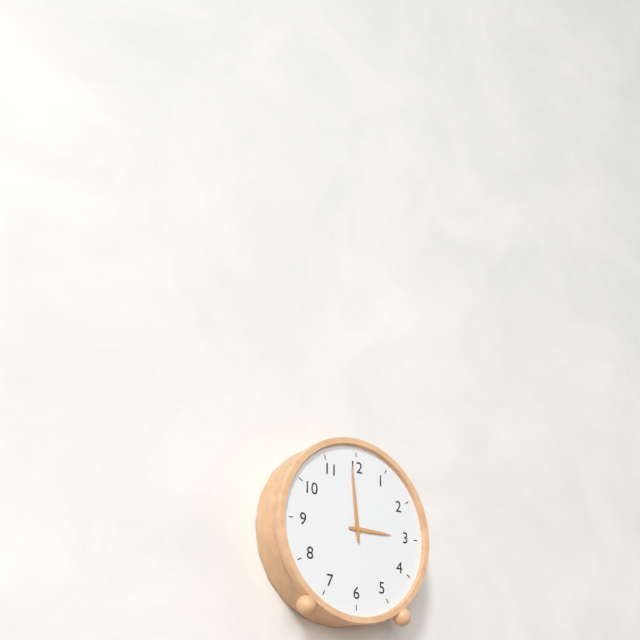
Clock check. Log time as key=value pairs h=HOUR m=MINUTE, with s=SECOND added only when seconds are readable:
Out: h=2 m=59
